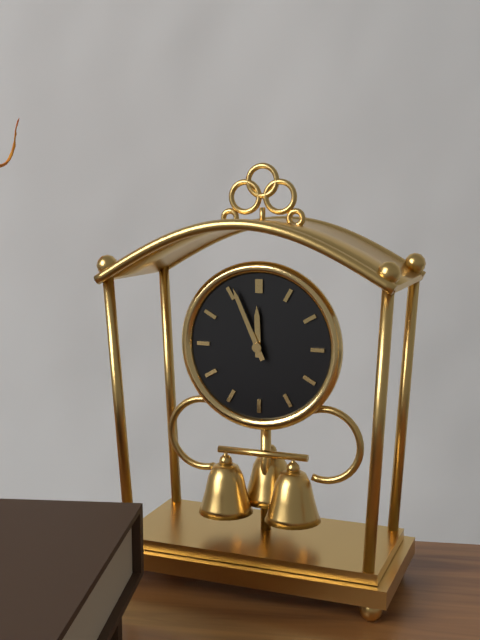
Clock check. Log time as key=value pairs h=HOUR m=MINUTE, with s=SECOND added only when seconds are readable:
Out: h=11 m=56
